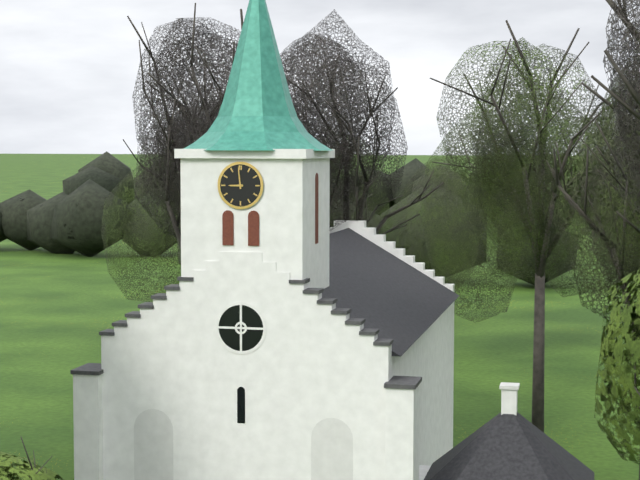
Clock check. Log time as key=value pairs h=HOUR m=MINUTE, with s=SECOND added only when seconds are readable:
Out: h=8 m=59
